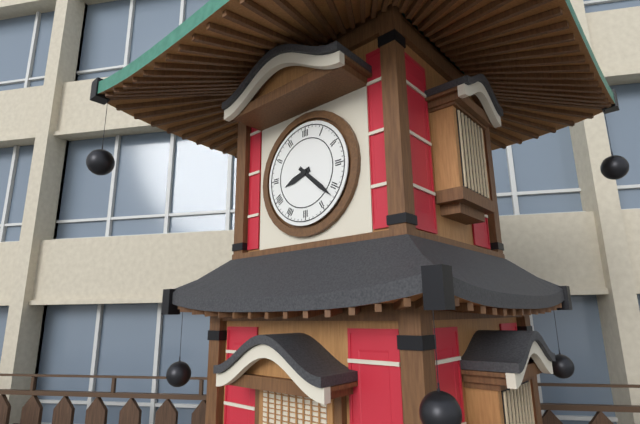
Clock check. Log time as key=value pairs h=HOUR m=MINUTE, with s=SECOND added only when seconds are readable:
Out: h=8 m=22
